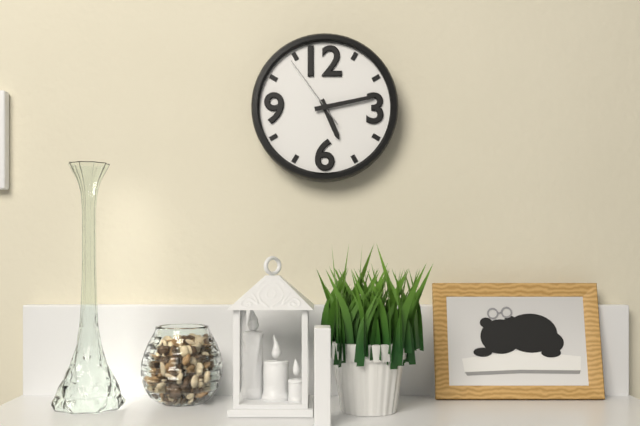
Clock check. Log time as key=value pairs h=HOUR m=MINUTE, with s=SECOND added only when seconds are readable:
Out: h=5 m=13 s=54
